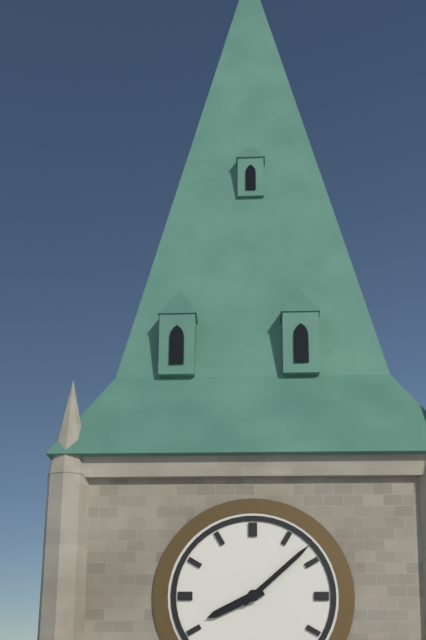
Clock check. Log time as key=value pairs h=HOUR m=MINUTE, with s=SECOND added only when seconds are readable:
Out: h=8 m=8
